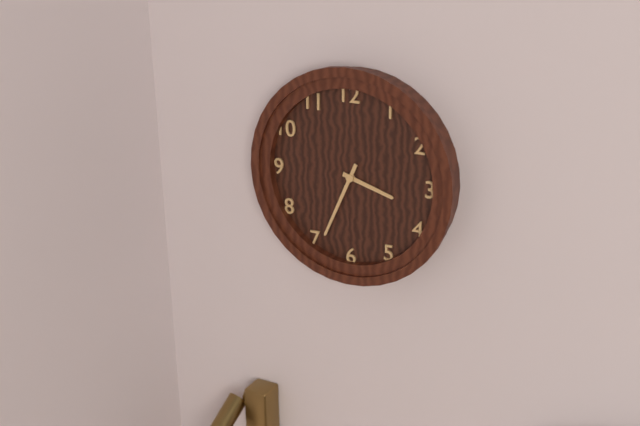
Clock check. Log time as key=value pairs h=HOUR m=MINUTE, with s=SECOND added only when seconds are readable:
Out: h=3 m=34
